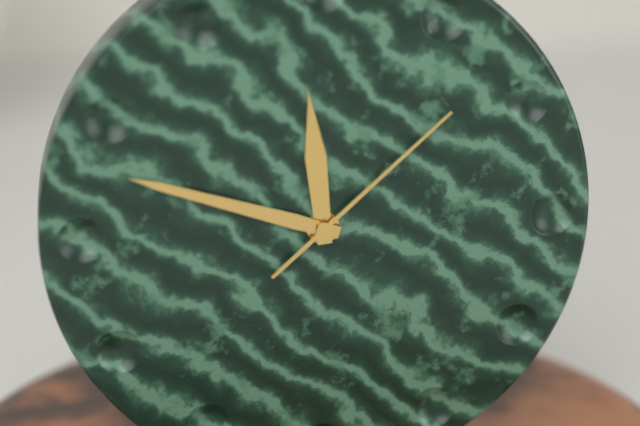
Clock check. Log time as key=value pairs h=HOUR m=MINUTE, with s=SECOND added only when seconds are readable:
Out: h=11 m=48 s=8
